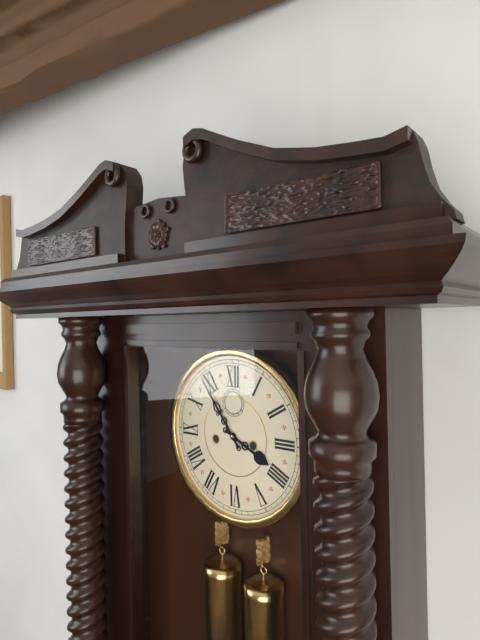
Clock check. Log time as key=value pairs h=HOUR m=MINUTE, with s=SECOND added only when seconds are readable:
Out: h=3 m=54
